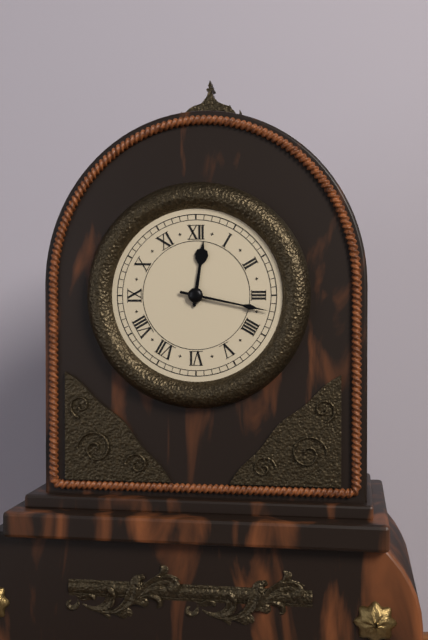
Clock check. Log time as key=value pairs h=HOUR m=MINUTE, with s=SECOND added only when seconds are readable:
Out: h=12 m=17
